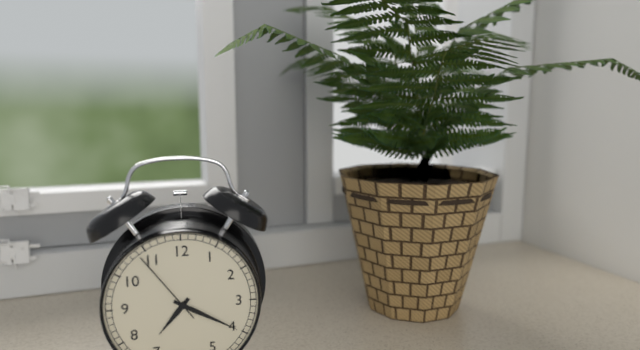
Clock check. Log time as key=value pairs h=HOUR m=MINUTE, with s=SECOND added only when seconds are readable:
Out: h=7 m=20 s=54
